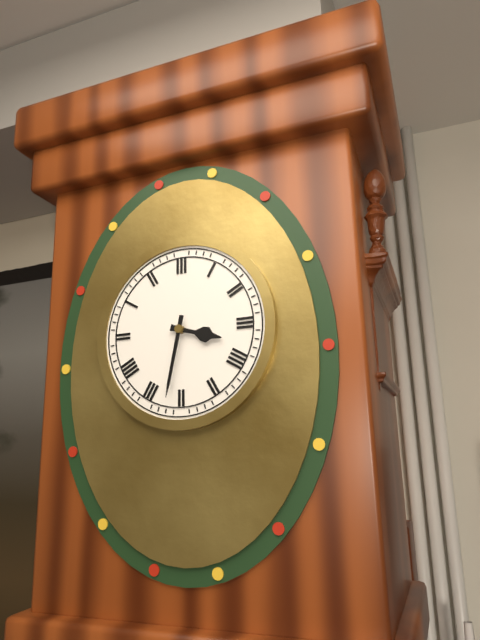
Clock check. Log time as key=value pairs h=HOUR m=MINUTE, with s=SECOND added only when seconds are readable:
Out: h=3 m=32
